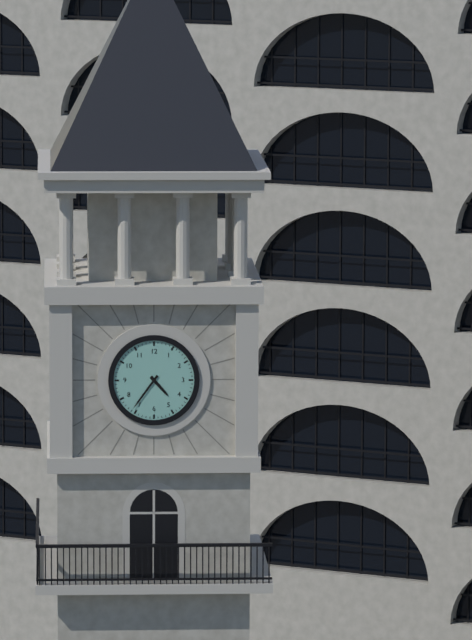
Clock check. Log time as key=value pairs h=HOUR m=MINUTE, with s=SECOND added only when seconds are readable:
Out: h=4 m=36
